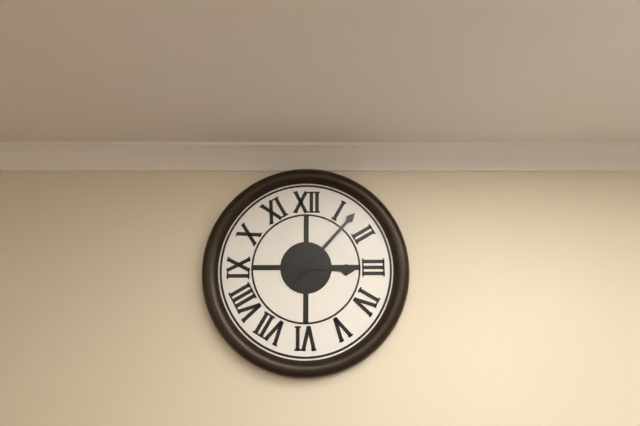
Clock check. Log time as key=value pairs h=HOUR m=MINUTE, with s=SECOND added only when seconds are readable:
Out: h=3 m=7
